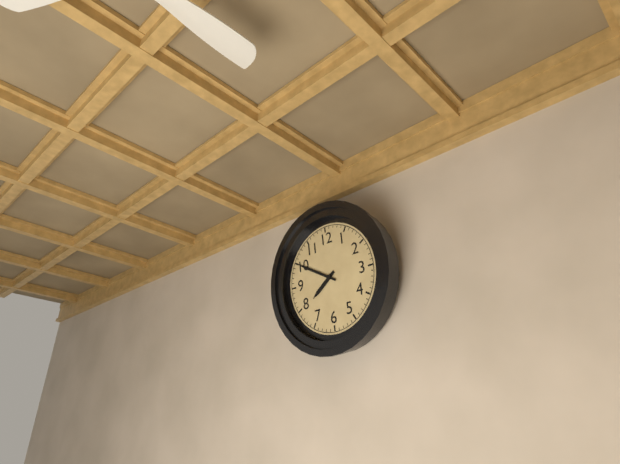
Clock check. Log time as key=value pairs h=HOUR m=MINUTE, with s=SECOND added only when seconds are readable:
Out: h=7 m=50
